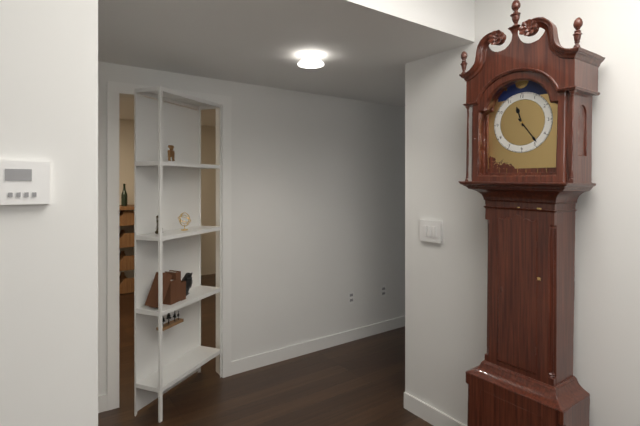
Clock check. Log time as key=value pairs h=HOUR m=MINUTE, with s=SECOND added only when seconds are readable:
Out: h=11 m=24
